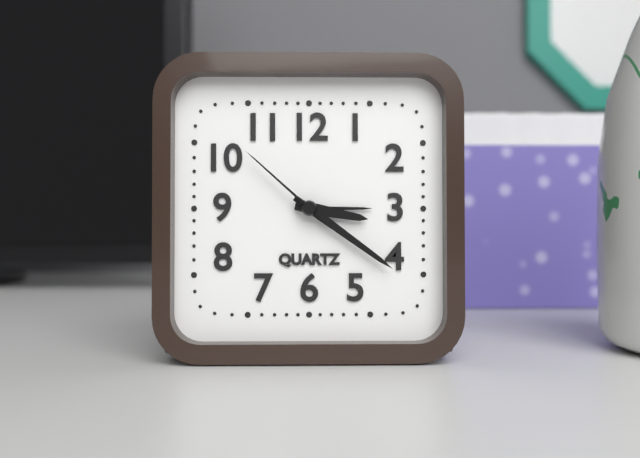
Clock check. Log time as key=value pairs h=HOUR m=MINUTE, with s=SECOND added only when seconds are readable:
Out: h=3 m=21 s=52
